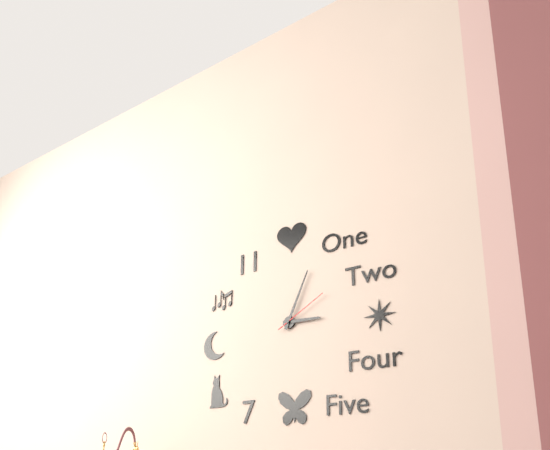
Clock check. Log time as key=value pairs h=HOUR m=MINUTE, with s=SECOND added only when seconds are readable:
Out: h=3 m=4 s=10
